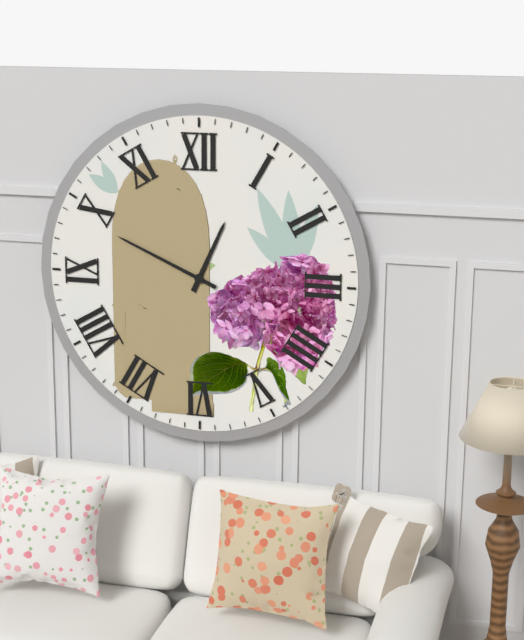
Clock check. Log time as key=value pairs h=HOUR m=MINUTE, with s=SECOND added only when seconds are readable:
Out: h=12 m=49
